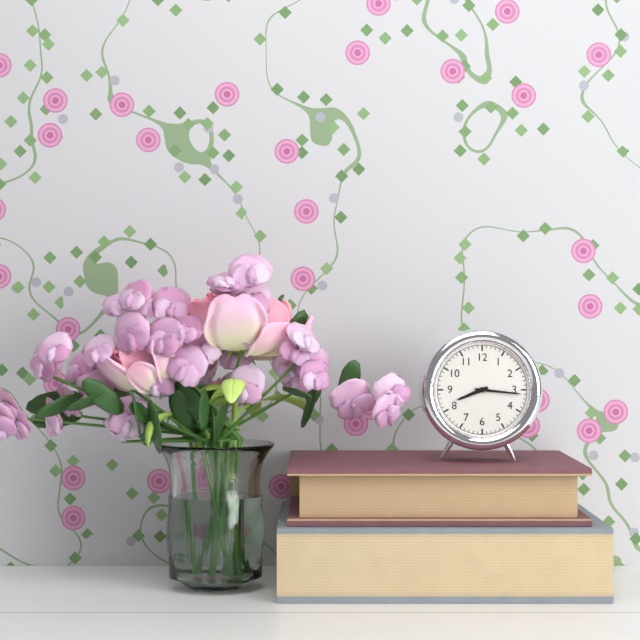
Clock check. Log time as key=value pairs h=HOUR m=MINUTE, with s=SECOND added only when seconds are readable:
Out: h=8 m=16
